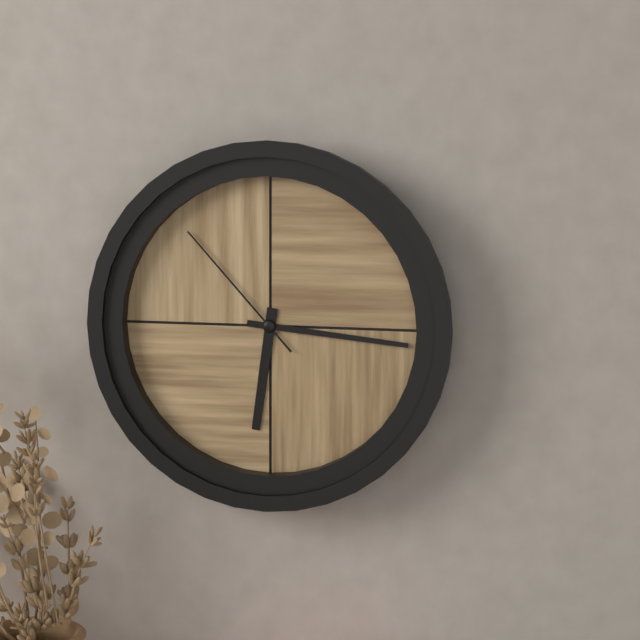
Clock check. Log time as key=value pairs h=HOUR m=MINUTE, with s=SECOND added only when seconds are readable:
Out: h=6 m=16 s=53
